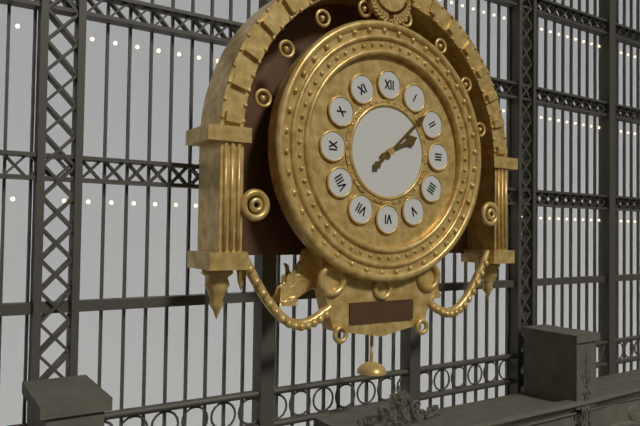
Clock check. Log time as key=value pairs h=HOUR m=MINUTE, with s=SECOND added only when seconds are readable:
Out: h=2 m=8
